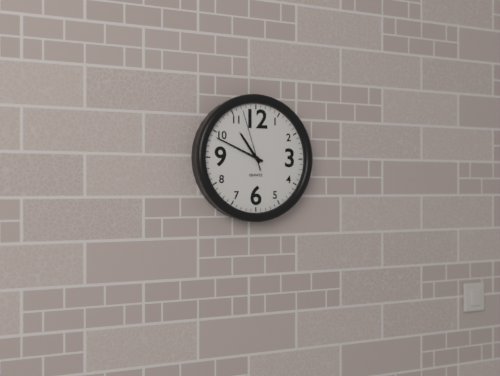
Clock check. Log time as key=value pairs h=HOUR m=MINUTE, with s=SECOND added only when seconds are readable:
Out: h=10 m=49 s=57
